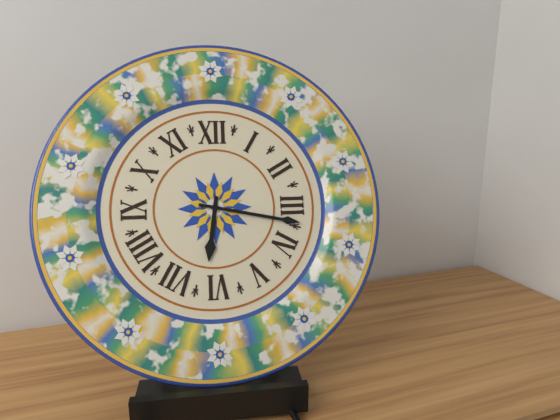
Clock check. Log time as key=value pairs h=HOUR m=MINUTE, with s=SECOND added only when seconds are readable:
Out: h=6 m=17
